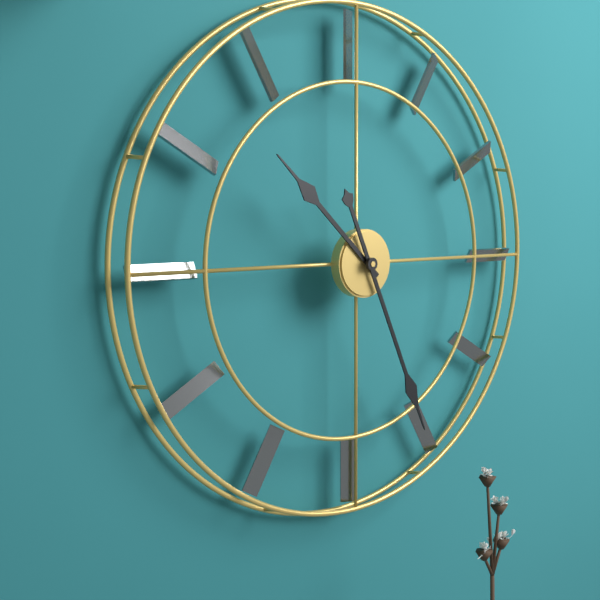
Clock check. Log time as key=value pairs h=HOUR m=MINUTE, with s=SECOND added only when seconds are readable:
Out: h=10 m=26
